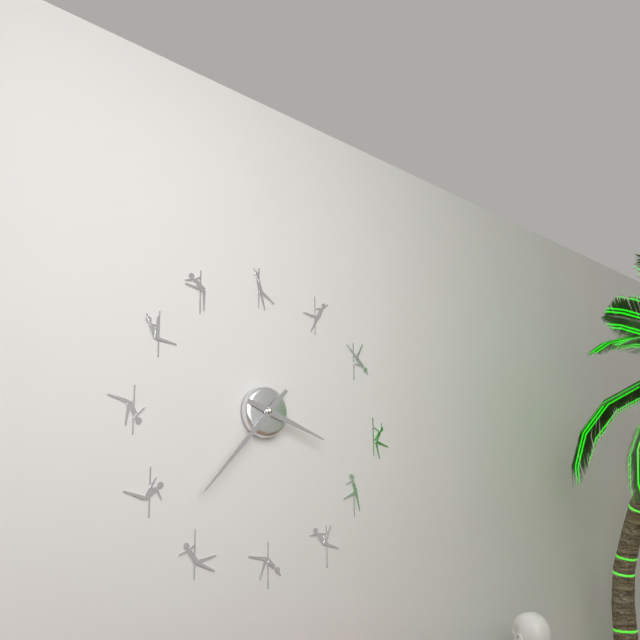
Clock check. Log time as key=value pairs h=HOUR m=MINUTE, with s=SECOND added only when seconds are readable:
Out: h=3 m=37
